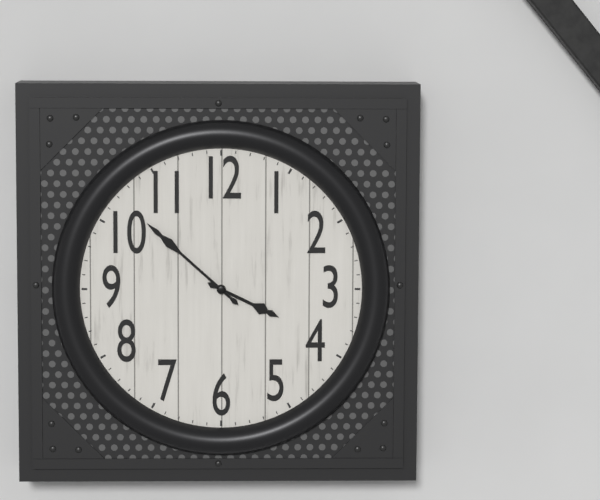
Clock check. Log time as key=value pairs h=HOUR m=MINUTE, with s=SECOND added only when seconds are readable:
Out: h=3 m=52
